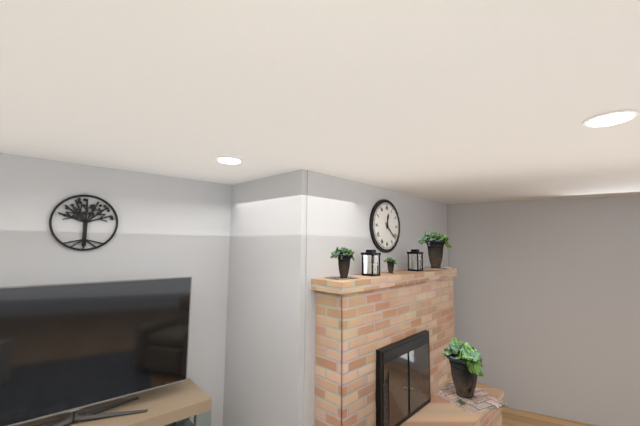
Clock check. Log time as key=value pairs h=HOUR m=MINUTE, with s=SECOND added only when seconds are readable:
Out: h=12 m=22
